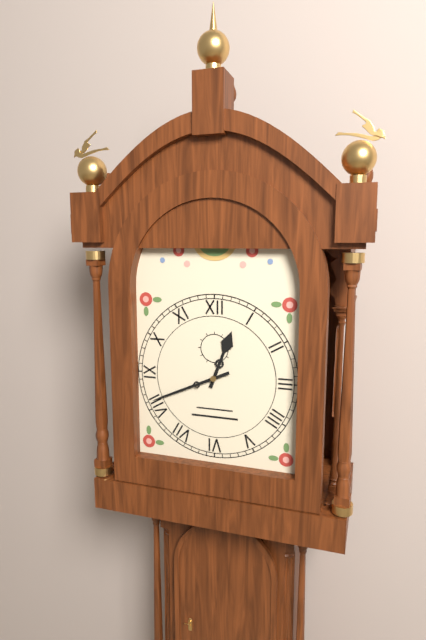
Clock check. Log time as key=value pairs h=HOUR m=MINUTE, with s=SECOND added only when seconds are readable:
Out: h=12 m=41
